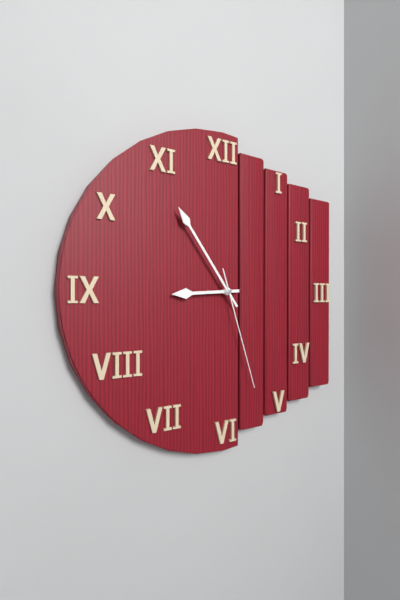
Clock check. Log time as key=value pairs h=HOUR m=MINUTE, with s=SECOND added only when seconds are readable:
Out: h=8 m=54 s=27
